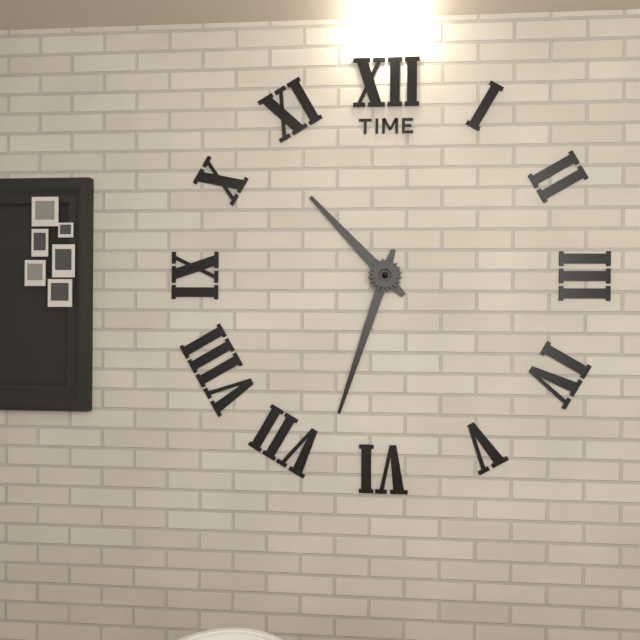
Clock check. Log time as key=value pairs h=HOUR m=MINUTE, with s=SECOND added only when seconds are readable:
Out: h=10 m=33
